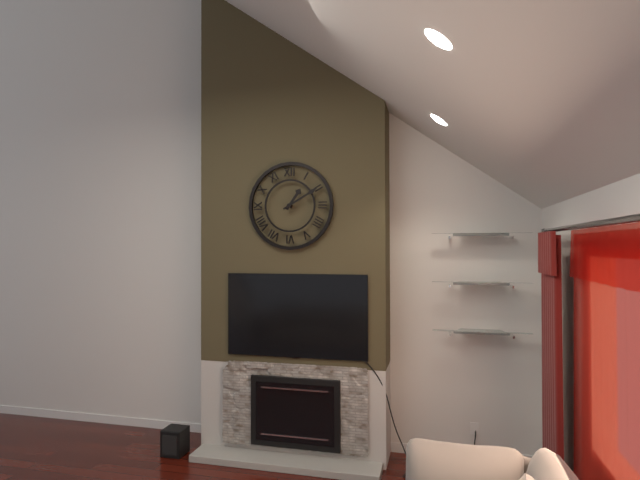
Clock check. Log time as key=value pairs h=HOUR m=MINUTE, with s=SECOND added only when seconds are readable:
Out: h=1 m=10
